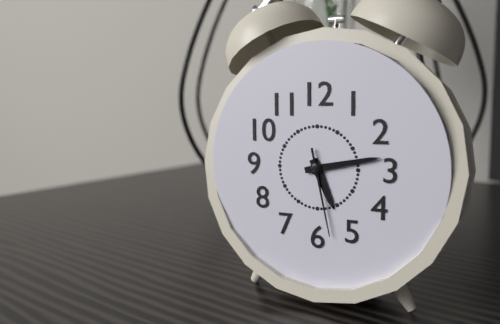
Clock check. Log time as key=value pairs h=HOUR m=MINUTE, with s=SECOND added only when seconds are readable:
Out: h=5 m=13 s=28
